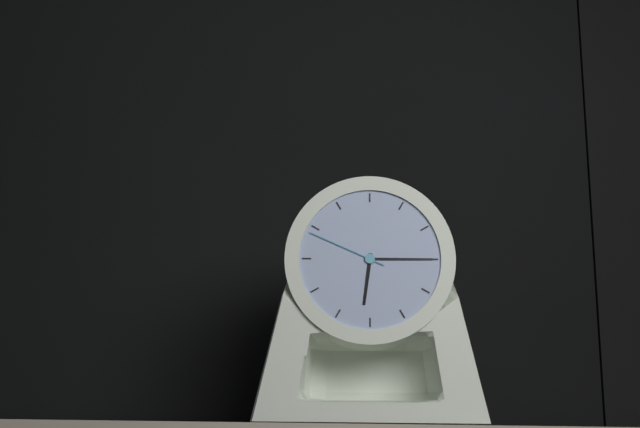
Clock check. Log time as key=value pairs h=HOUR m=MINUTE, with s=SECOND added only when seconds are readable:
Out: h=6 m=15 s=49
